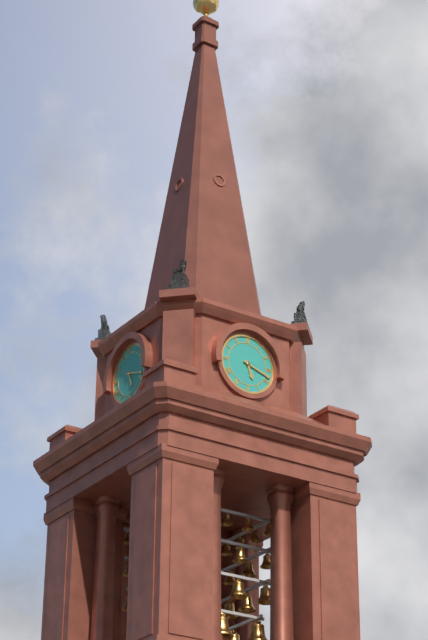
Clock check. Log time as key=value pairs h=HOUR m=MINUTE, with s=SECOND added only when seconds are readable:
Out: h=5 m=18
